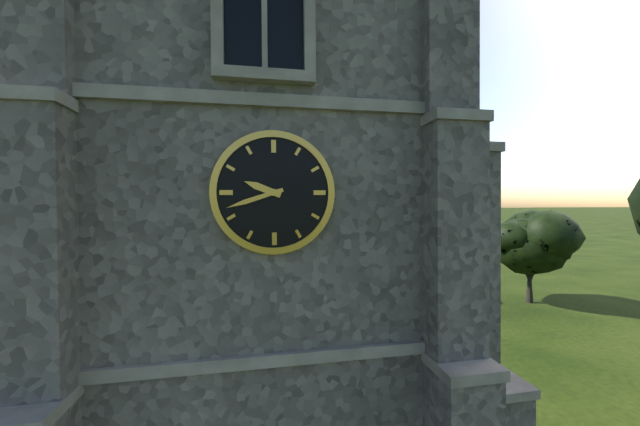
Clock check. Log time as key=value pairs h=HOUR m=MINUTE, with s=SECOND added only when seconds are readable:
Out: h=9 m=42
